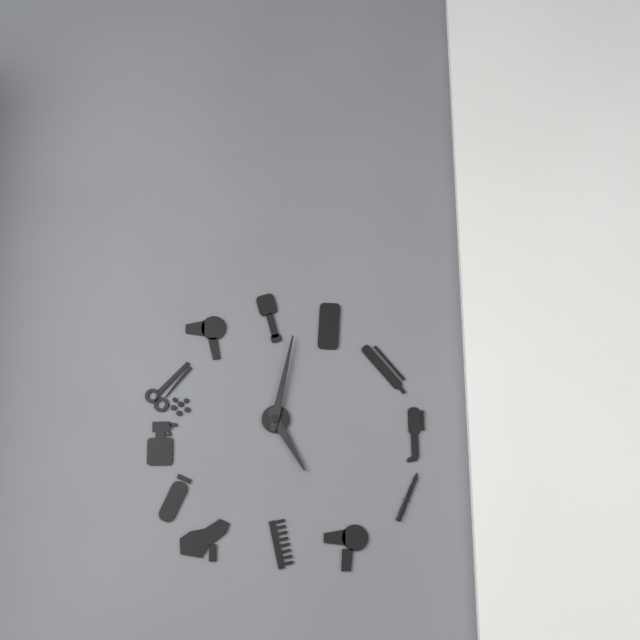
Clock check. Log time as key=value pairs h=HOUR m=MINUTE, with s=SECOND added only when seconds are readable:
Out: h=5 m=2
